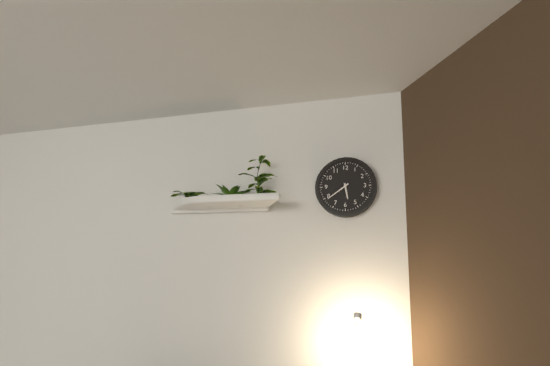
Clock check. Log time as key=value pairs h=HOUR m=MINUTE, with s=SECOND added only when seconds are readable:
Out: h=5 m=39
